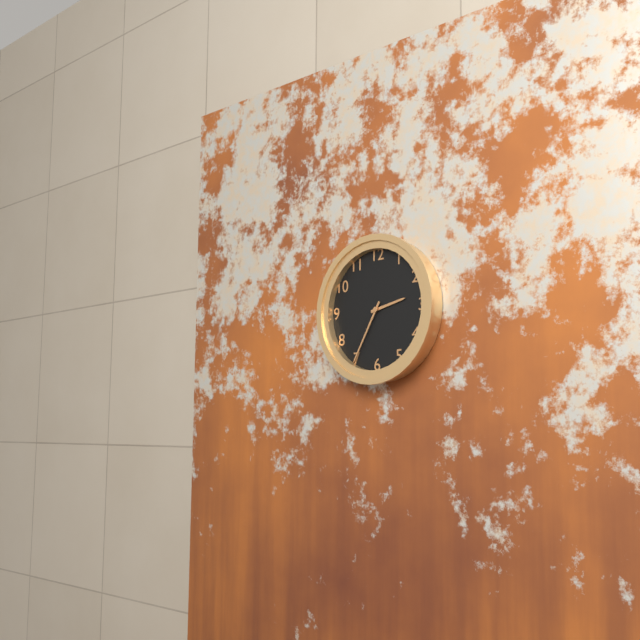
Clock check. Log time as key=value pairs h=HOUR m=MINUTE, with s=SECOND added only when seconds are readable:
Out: h=2 m=35
